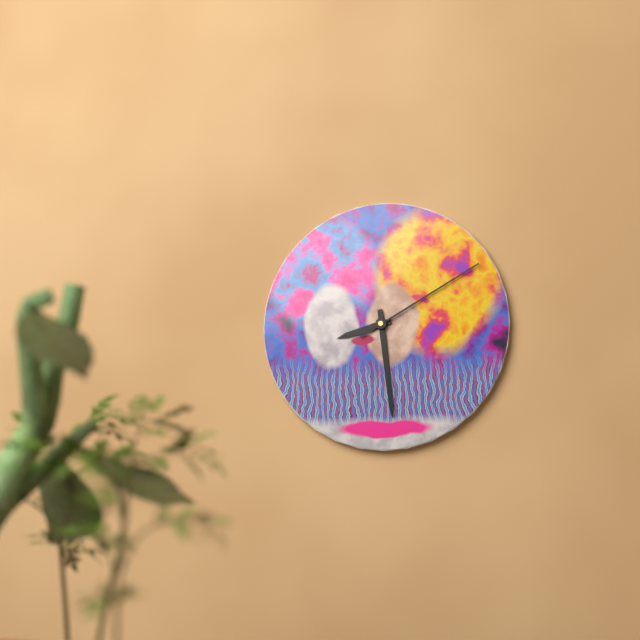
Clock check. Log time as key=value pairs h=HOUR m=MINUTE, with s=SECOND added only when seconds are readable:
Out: h=8 m=29 s=10
